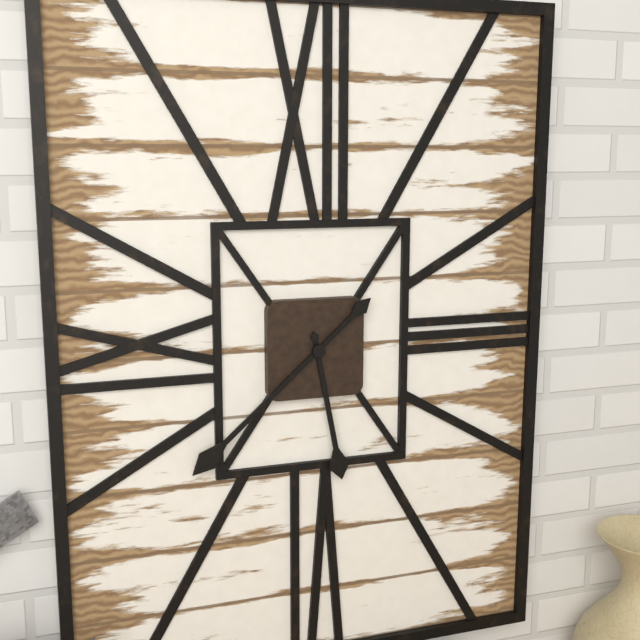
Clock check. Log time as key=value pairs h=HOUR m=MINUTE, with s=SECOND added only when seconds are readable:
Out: h=5 m=38
